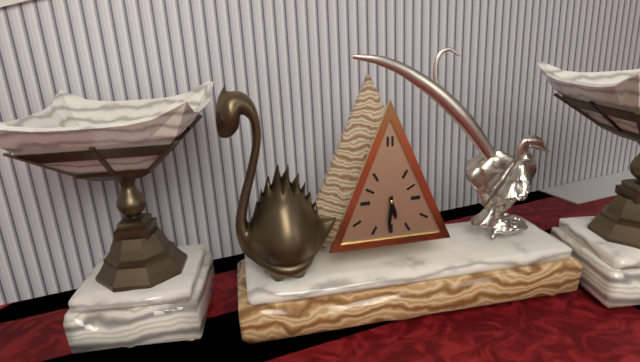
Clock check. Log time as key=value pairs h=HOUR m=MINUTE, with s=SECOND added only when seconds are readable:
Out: h=5 m=31
